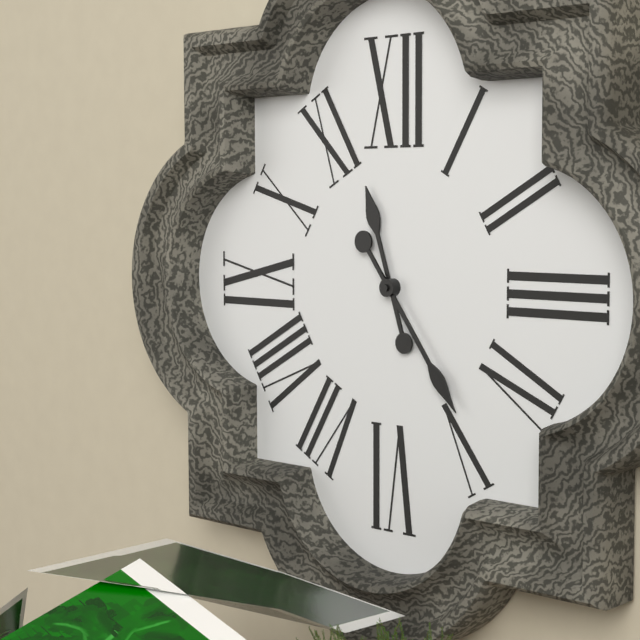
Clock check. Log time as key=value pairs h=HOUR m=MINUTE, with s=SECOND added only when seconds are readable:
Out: h=11 m=24
